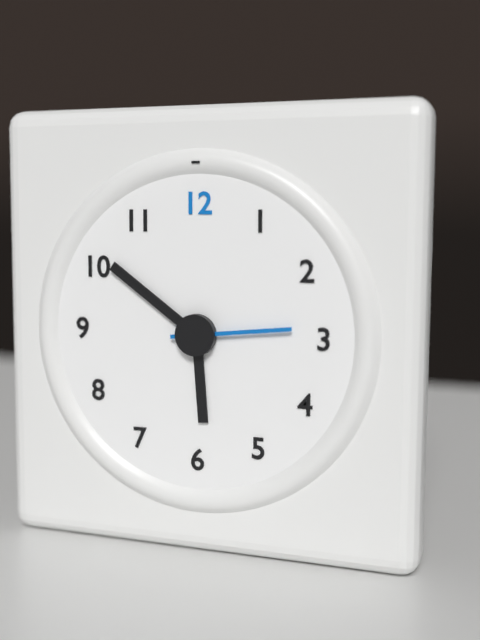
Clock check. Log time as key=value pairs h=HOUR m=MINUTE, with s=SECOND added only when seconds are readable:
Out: h=5 m=51 s=14
